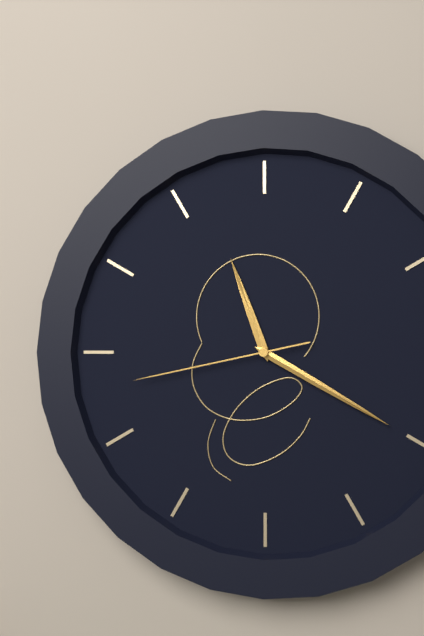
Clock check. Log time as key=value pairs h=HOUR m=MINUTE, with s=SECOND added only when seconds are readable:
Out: h=11 m=20 s=43
